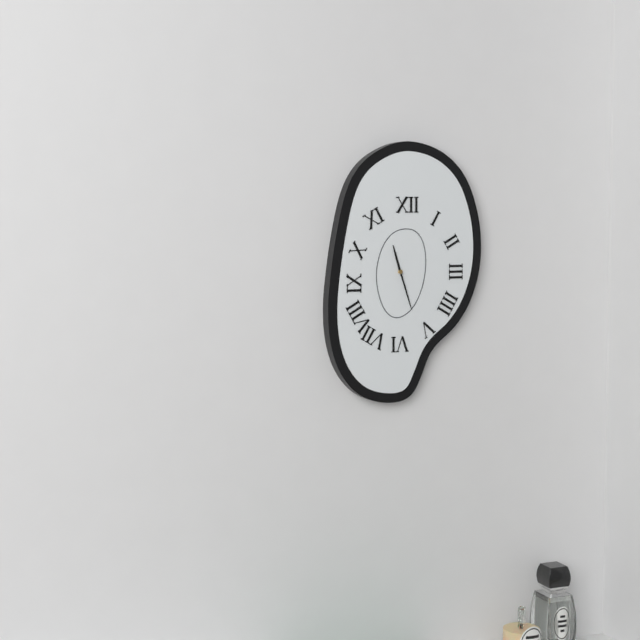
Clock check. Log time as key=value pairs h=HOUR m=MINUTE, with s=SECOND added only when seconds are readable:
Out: h=11 m=27
